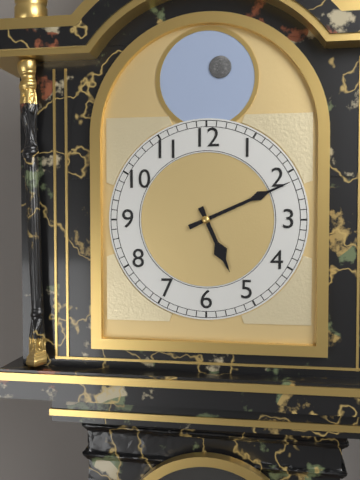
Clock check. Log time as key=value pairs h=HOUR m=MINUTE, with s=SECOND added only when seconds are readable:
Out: h=5 m=11
